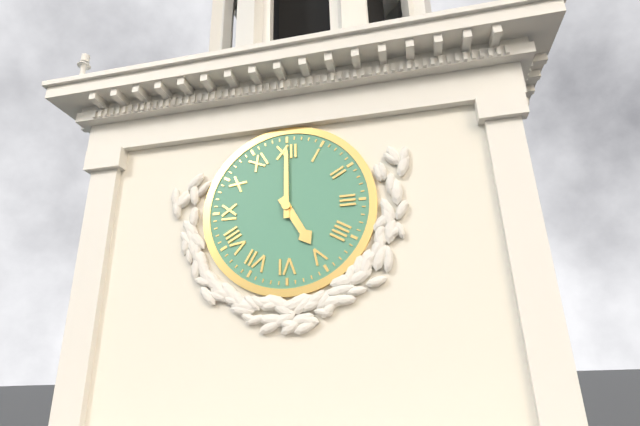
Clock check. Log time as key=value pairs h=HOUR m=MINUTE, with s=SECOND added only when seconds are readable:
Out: h=5 m=0
